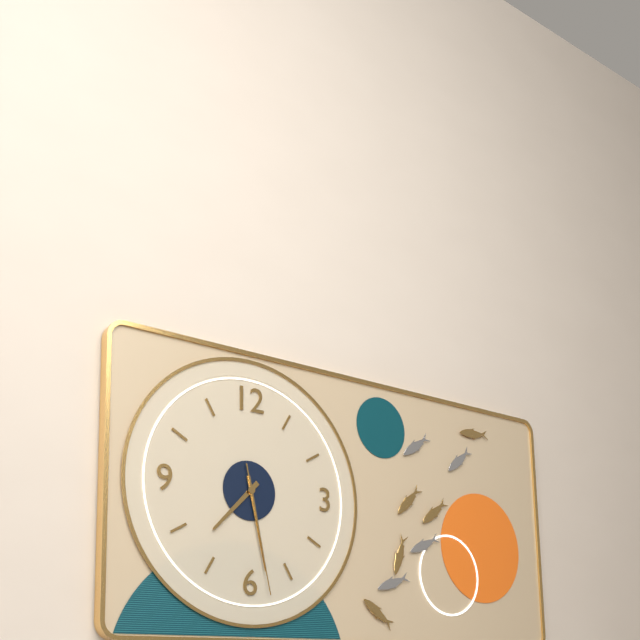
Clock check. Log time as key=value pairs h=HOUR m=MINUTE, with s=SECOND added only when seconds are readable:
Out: h=7 m=28 s=28
